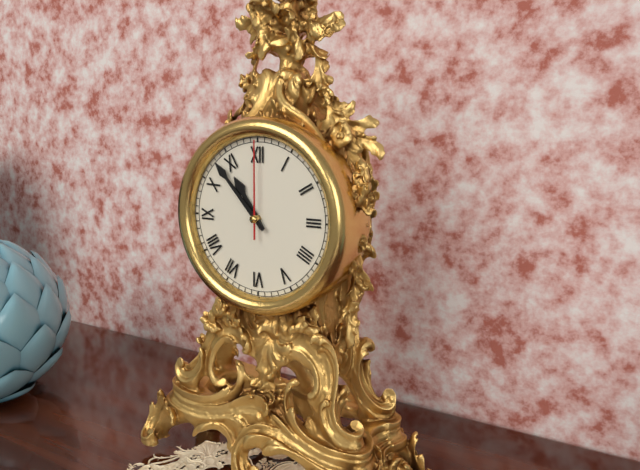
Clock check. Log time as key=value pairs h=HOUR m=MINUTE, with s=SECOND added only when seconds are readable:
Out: h=10 m=53 s=0
